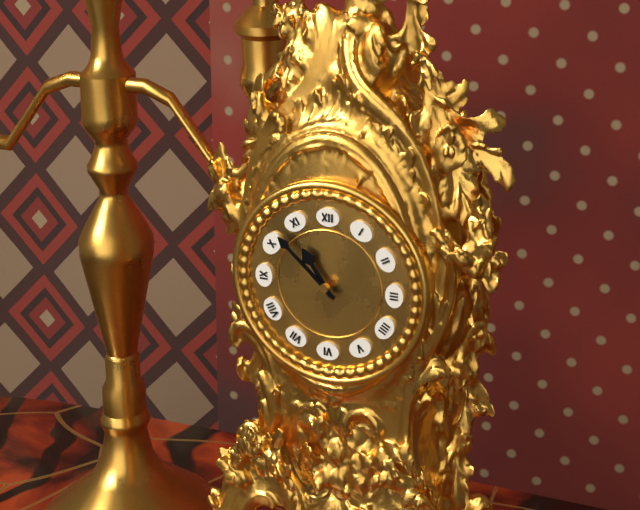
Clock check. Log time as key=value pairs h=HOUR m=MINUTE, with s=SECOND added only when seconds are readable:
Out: h=10 m=52
